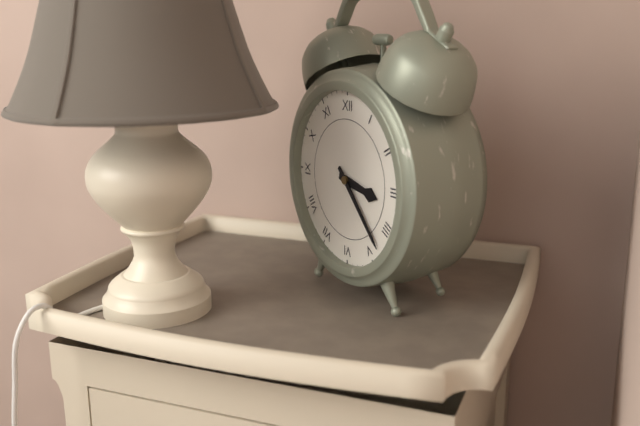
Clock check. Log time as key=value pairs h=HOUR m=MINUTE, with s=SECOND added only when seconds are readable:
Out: h=3 m=23
